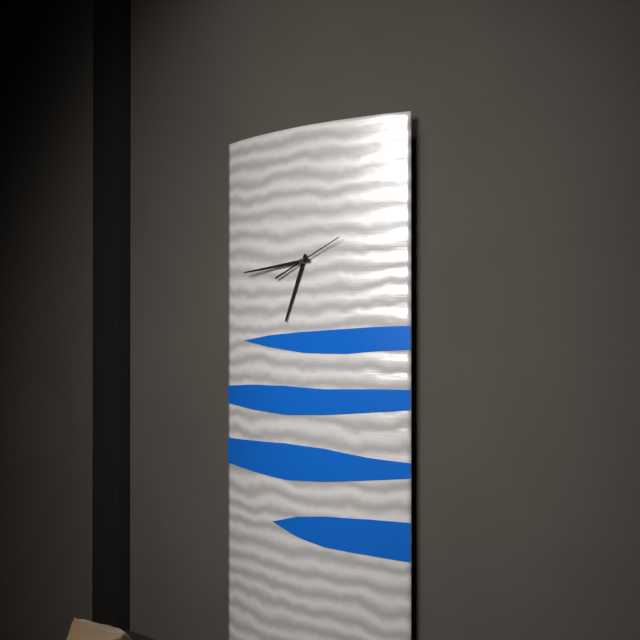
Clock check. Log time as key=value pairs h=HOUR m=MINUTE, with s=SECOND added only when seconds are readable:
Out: h=6 m=44
